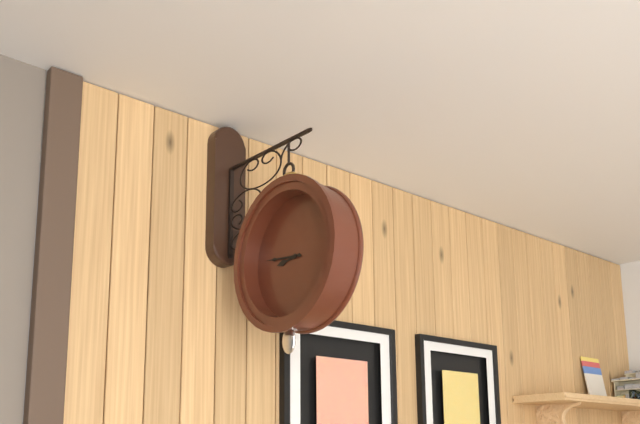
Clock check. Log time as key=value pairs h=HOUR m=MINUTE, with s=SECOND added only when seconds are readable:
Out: h=8 m=46
